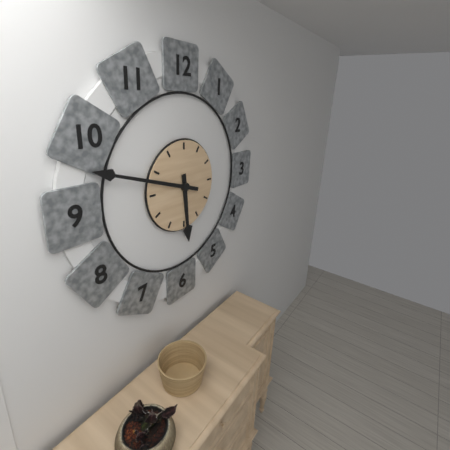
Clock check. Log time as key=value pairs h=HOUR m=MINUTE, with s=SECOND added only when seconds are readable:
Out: h=5 m=48
